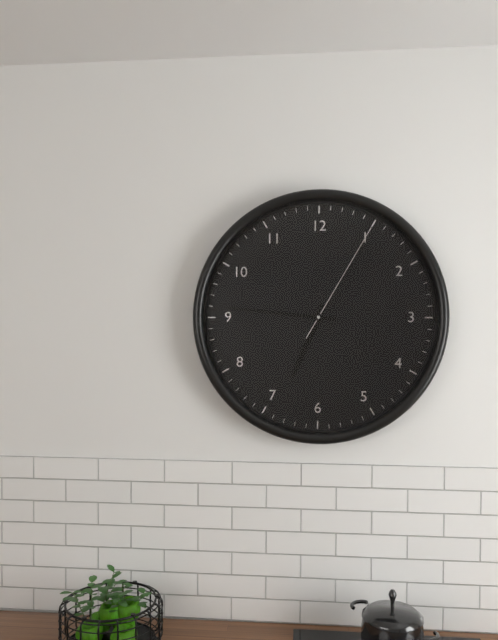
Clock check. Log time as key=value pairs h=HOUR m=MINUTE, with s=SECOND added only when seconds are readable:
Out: h=6 m=46 s=5
